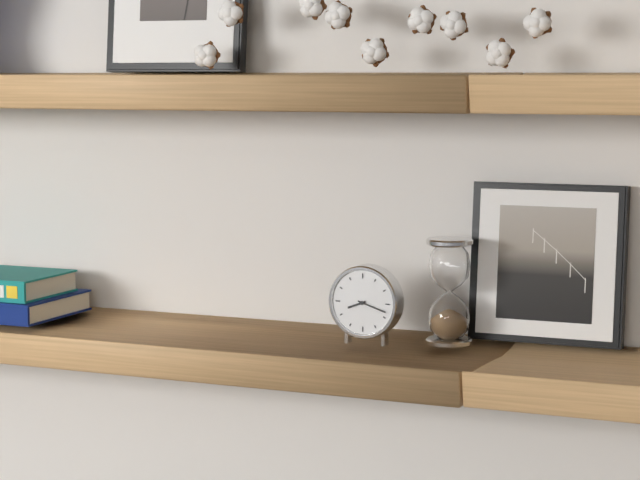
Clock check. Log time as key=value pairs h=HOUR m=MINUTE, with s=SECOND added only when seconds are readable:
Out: h=8 m=18
